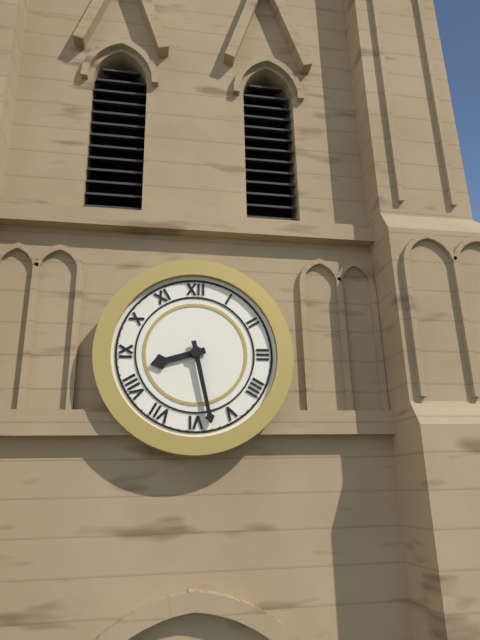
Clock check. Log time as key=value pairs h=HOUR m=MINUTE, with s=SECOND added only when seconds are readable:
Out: h=8 m=28
